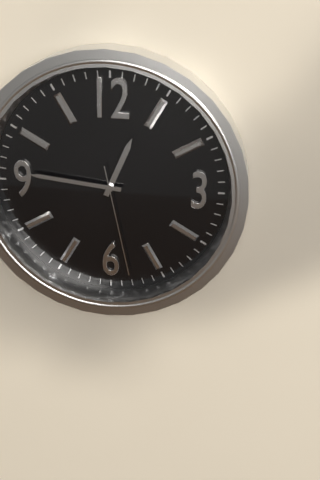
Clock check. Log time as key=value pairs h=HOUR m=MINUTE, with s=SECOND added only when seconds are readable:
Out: h=12 m=46 s=28
